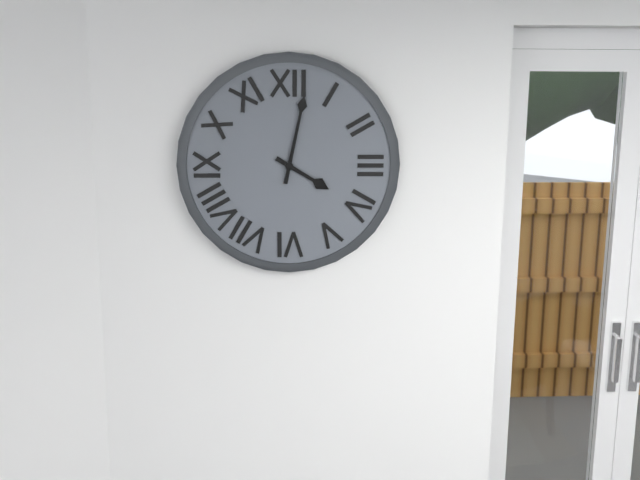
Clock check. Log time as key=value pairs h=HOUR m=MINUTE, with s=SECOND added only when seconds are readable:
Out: h=4 m=2
